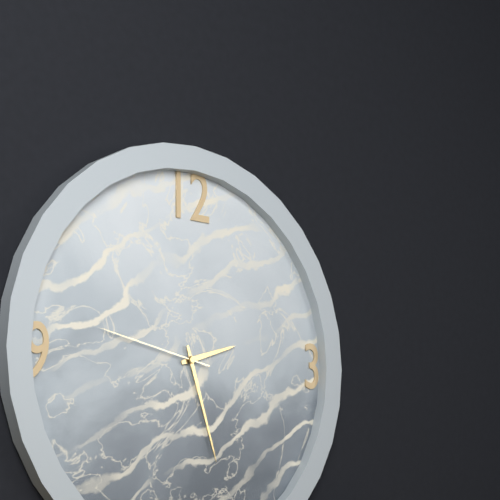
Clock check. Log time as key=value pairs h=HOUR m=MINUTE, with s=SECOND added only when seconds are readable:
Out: h=2 m=27 s=47
